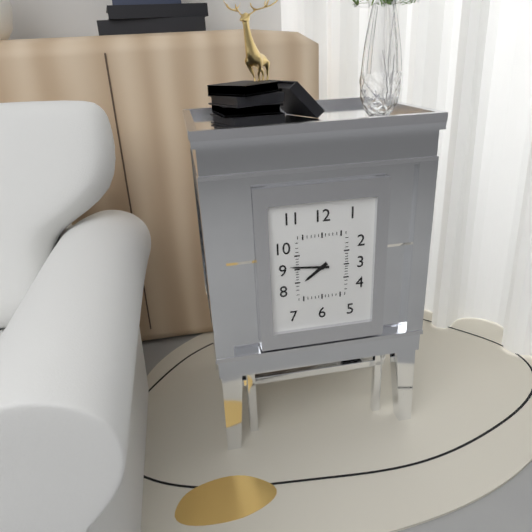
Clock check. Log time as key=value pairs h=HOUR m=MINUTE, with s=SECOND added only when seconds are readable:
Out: h=7 m=46
